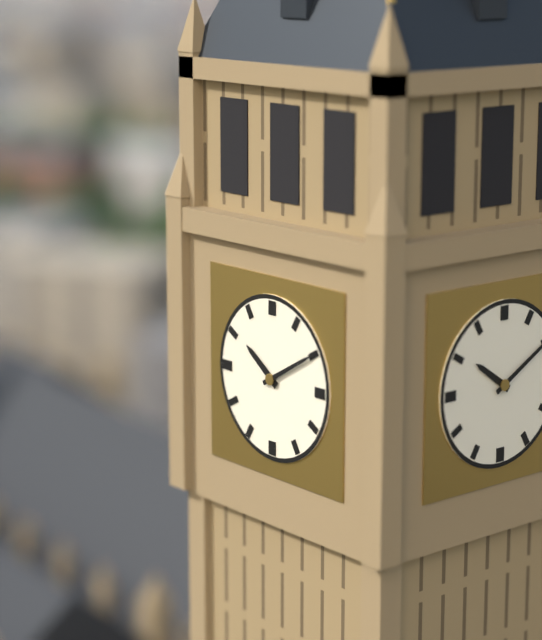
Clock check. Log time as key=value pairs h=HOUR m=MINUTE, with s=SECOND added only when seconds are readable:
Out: h=10 m=10
